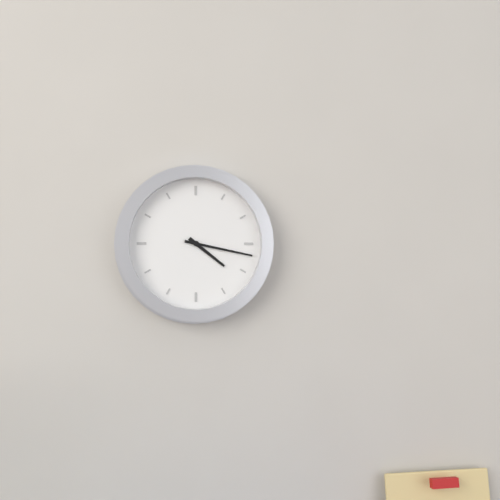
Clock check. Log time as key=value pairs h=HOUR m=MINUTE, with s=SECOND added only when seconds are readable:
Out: h=4 m=17
